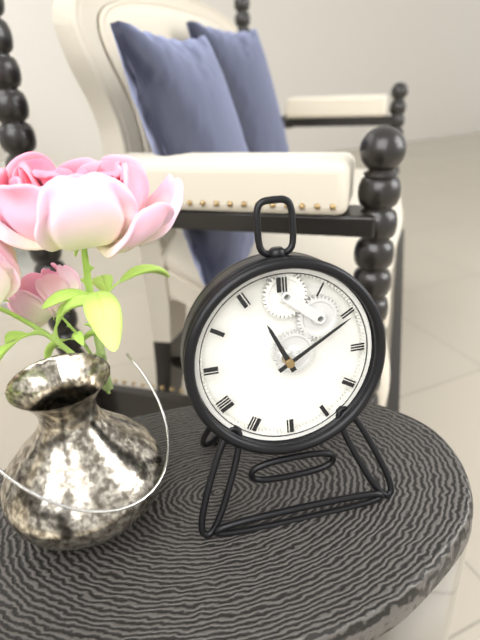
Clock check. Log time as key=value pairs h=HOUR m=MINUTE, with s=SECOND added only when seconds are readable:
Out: h=11 m=10
